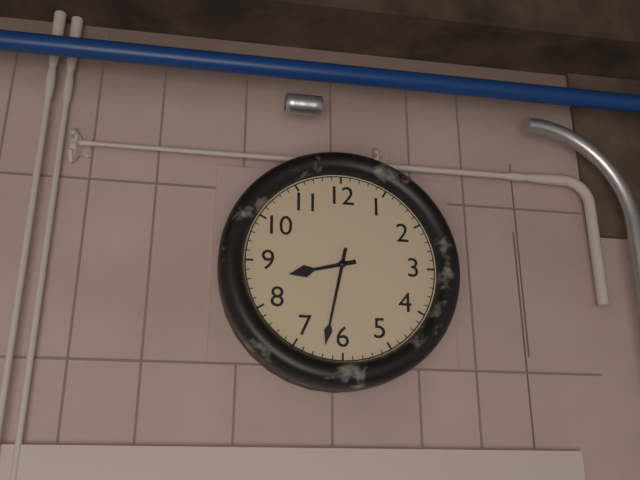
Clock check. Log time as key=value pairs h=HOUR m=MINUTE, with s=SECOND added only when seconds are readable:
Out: h=8 m=32
